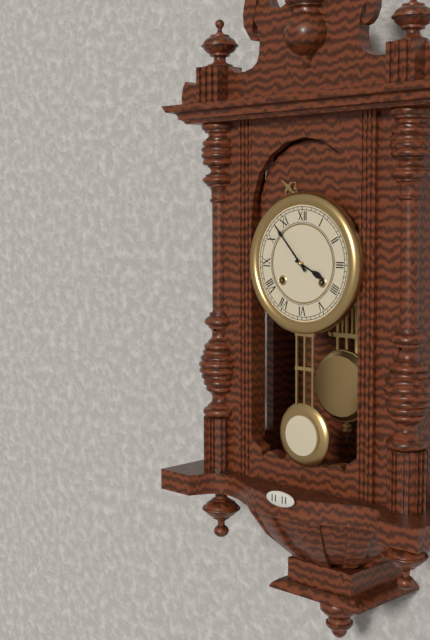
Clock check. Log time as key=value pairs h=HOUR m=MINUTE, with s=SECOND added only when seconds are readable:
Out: h=3 m=53
